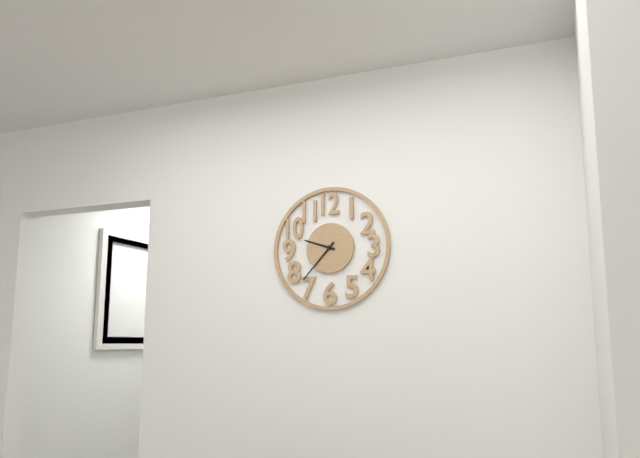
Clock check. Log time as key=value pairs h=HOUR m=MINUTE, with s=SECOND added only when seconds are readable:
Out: h=9 m=37
